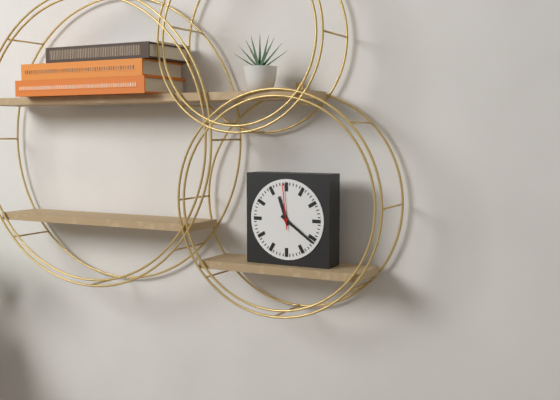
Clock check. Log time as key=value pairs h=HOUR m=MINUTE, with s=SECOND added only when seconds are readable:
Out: h=11 m=21
